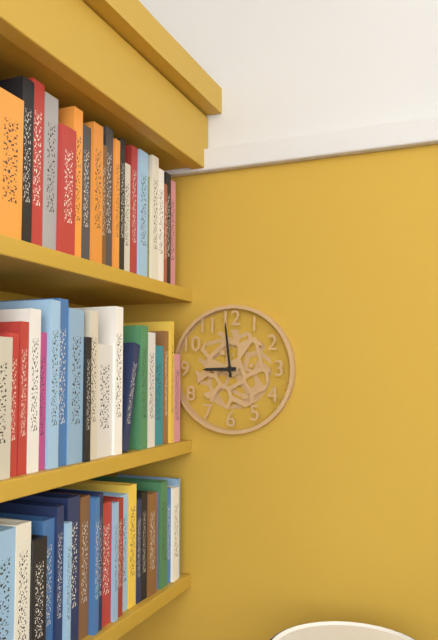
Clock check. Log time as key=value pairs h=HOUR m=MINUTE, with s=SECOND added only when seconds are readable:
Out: h=8 m=59
